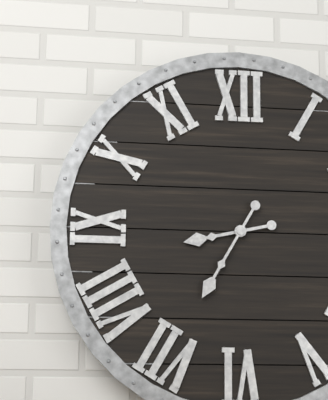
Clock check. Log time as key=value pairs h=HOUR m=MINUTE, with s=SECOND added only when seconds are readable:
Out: h=8 m=35
